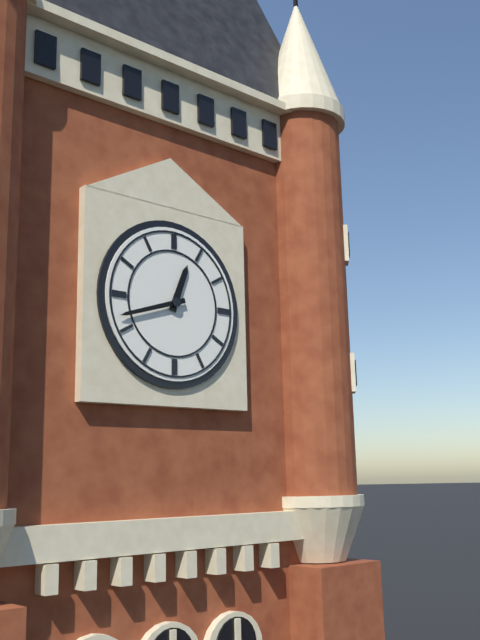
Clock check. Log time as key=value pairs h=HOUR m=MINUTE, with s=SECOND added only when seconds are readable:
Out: h=12 m=42
